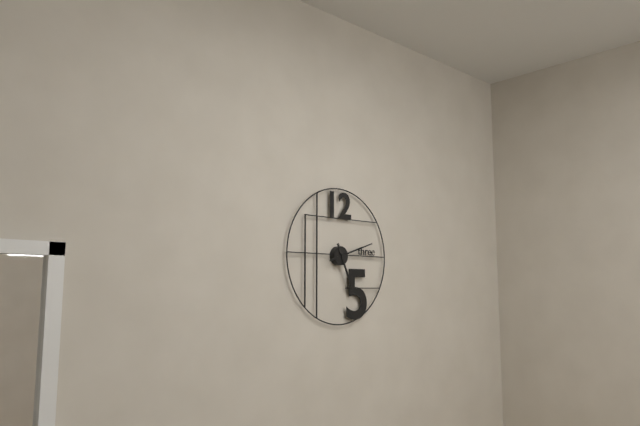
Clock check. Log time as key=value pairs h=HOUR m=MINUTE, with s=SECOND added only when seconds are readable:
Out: h=5 m=12
